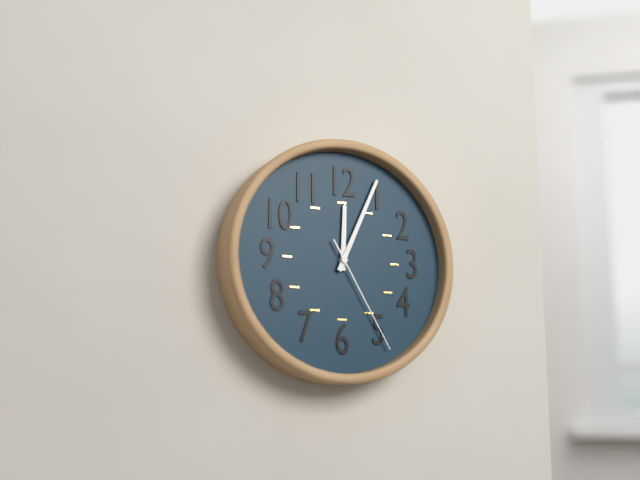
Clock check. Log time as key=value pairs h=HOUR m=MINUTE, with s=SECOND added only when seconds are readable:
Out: h=12 m=4 s=25
